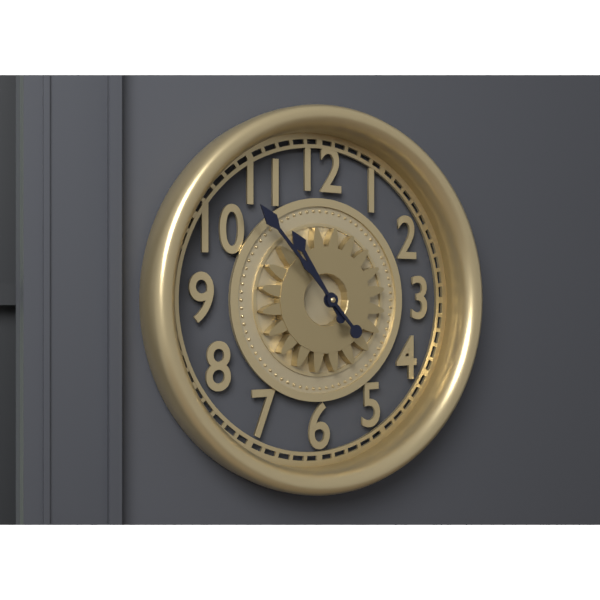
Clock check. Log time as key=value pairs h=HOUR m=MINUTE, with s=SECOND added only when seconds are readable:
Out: h=10 m=53
